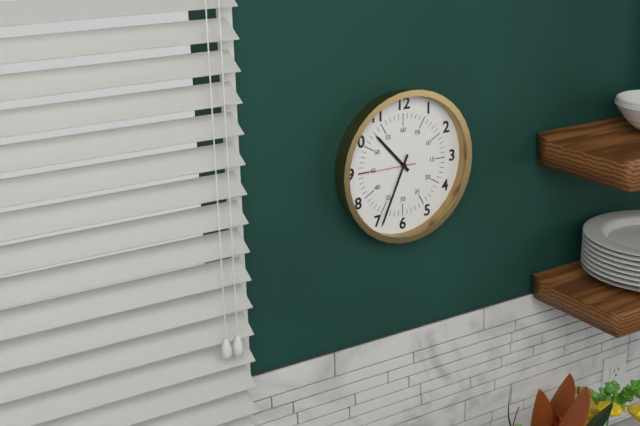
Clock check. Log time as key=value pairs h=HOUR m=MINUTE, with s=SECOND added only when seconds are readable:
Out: h=10 m=34 s=45
